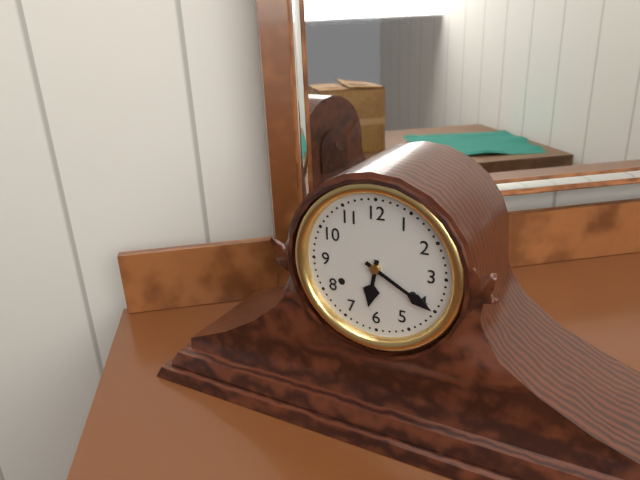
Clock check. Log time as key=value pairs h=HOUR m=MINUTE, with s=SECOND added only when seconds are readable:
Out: h=6 m=20
